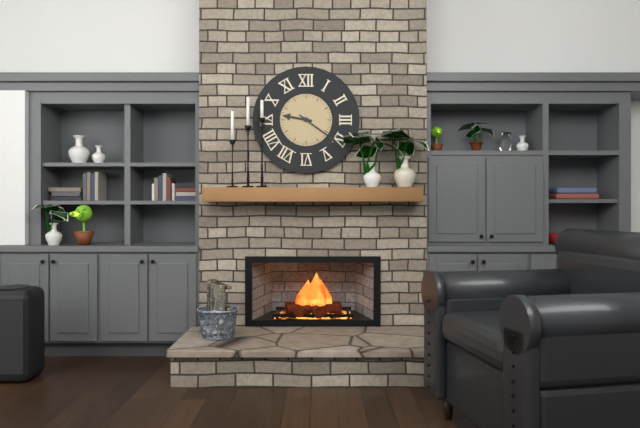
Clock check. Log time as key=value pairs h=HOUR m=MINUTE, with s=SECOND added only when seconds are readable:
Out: h=9 m=21
